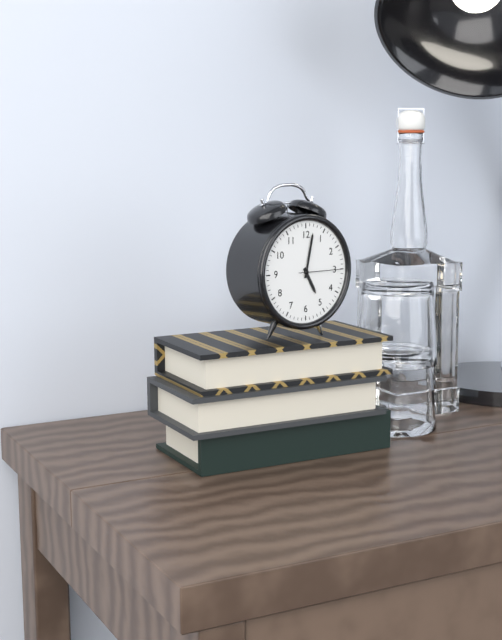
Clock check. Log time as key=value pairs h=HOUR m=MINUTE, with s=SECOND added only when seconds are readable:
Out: h=5 m=2
